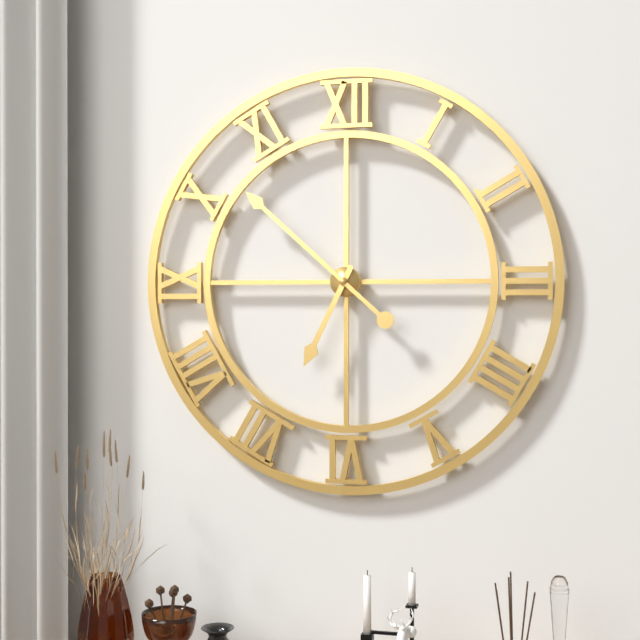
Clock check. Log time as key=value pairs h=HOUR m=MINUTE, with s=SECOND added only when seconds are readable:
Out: h=6 m=52
